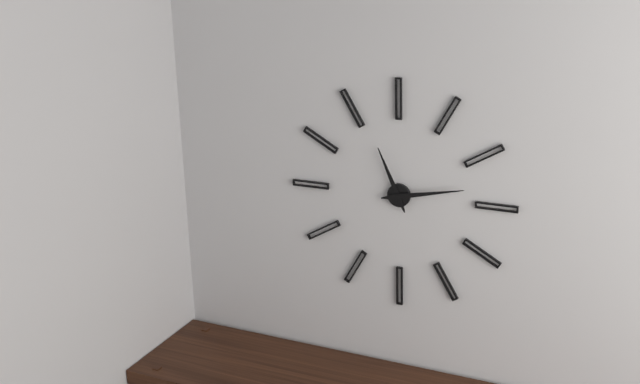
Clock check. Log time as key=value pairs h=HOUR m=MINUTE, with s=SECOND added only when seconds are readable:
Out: h=11 m=13
